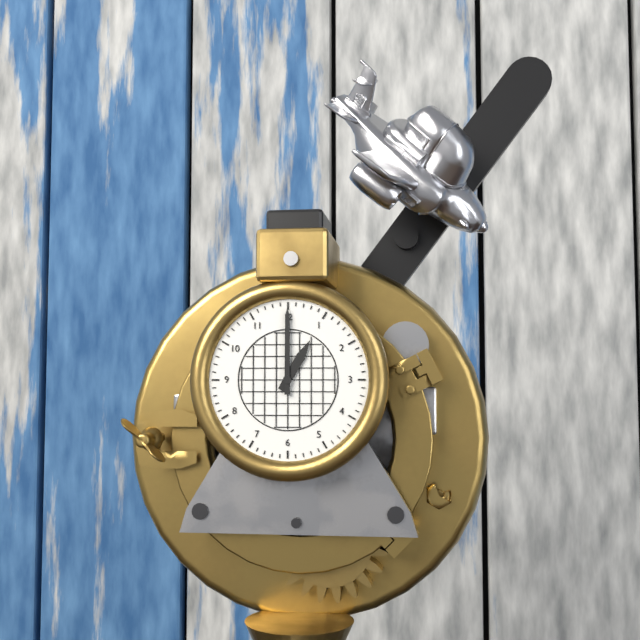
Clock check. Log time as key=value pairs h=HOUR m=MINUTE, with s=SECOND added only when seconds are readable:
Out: h=1 m=0
